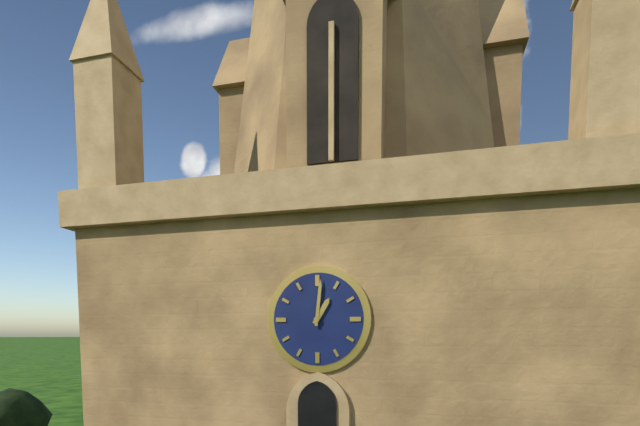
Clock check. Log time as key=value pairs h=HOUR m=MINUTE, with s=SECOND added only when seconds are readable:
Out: h=1 m=1
